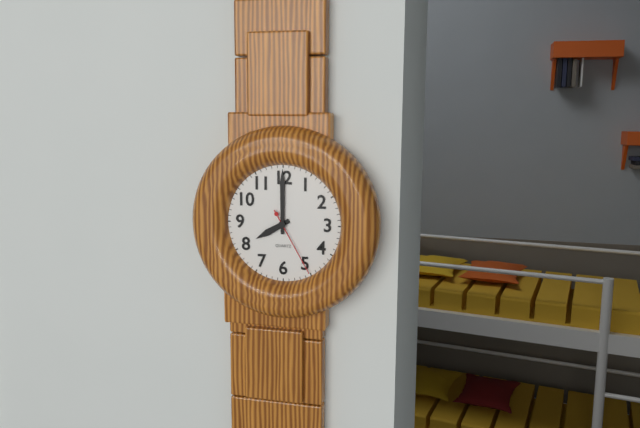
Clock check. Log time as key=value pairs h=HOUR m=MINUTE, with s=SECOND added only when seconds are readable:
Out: h=8 m=0 s=25
